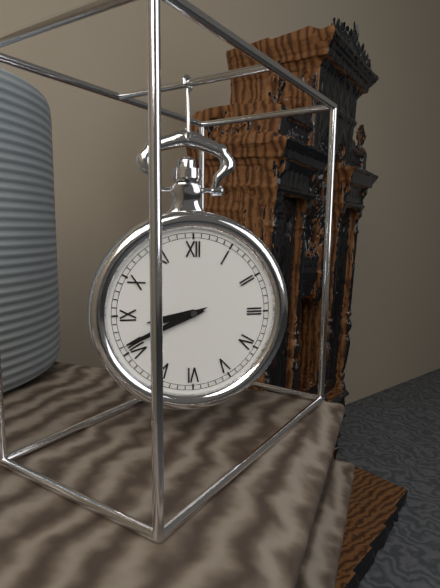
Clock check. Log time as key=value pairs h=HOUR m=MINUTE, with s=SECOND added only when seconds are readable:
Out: h=8 m=41
